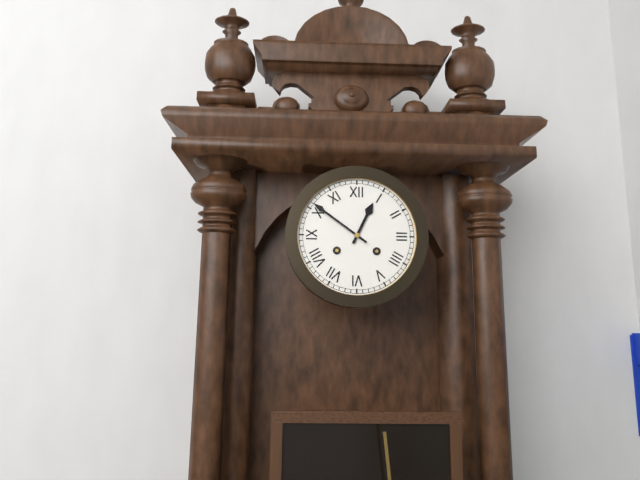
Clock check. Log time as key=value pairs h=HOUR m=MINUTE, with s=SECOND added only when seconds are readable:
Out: h=12 m=51
